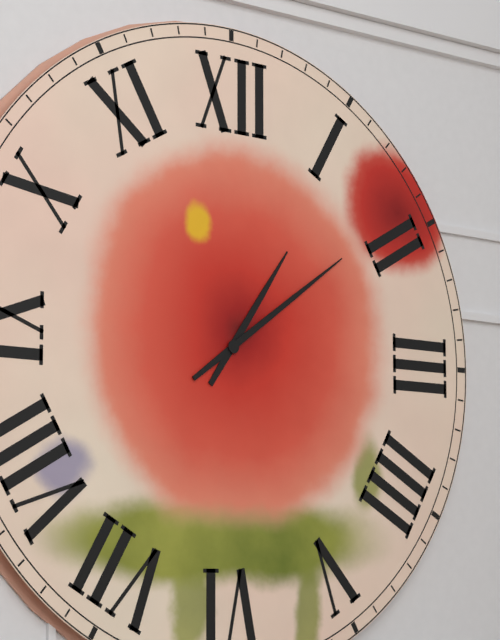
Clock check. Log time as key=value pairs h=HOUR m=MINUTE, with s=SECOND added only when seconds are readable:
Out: h=1 m=9
